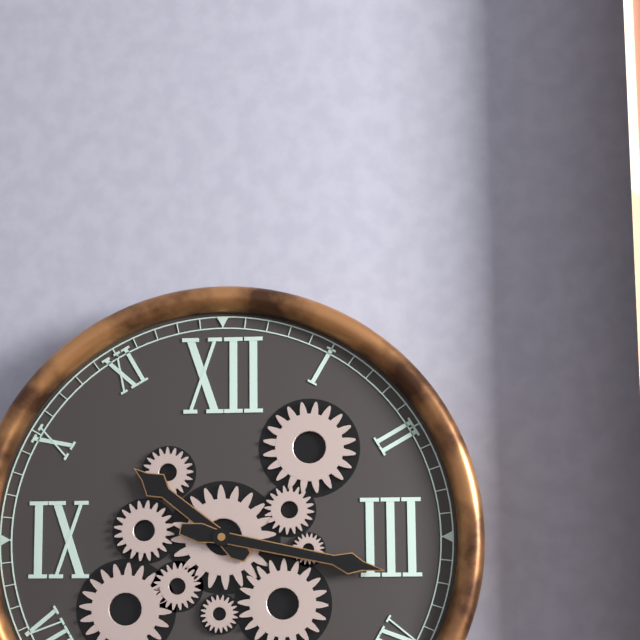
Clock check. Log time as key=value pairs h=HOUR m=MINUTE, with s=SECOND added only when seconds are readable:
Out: h=10 m=17
